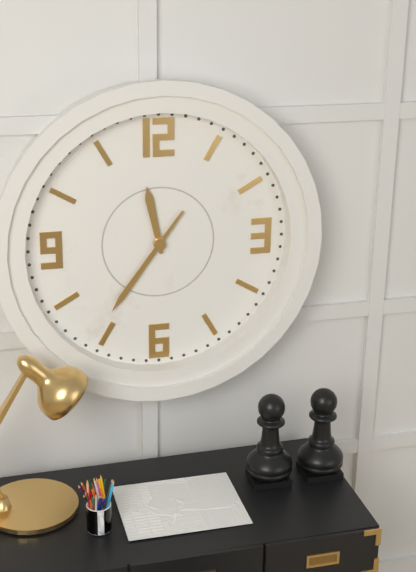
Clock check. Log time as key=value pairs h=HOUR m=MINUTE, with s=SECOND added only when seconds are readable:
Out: h=11 m=36
